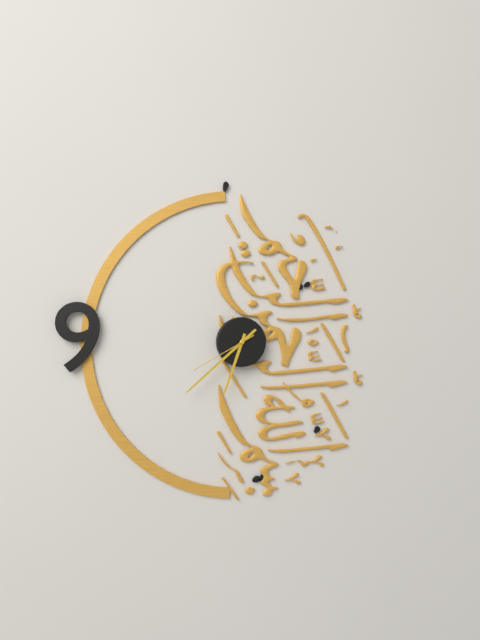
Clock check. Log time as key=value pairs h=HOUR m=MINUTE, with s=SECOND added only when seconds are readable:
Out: h=6 m=38 s=40
